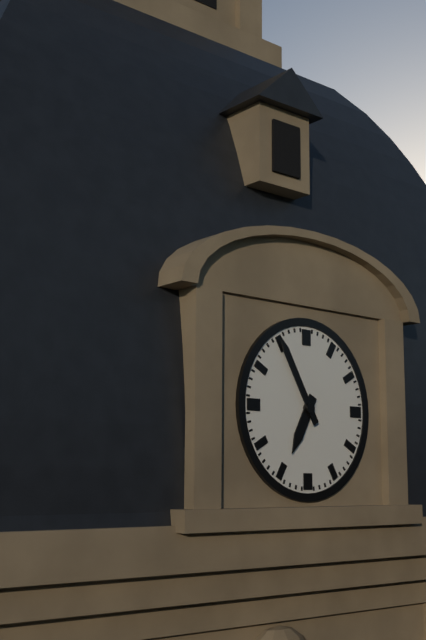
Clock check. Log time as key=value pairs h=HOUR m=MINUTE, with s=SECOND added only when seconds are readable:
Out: h=6 m=55
